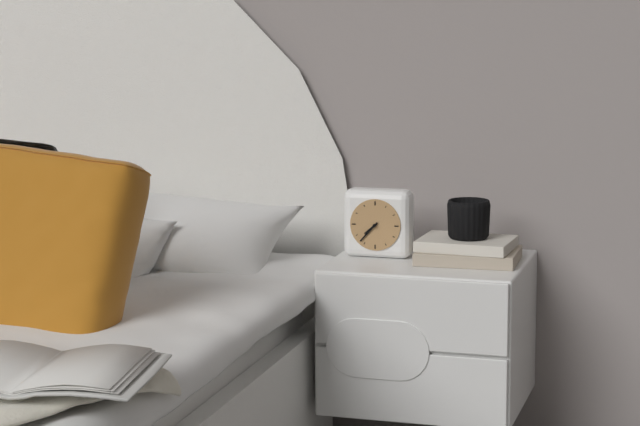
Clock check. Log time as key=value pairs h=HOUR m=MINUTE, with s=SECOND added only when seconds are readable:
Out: h=7 m=37
